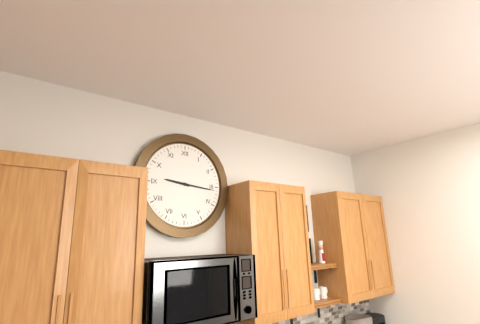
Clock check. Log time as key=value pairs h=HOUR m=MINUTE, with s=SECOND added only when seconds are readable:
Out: h=9 m=16
